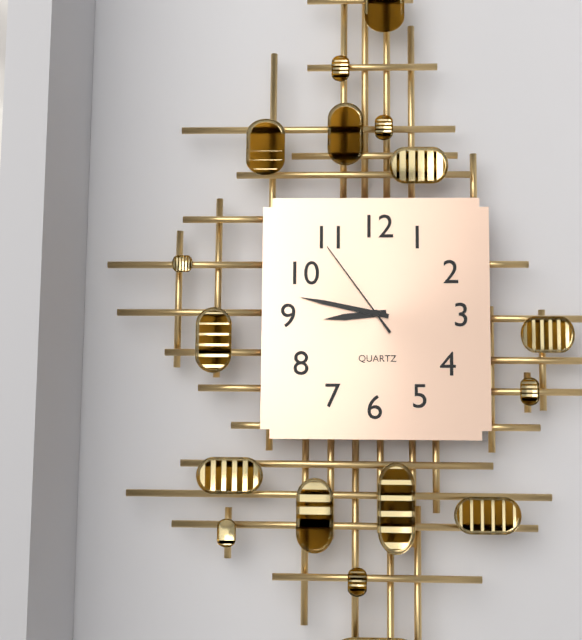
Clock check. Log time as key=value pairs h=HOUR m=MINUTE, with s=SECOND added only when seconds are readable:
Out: h=8 m=47 s=54
